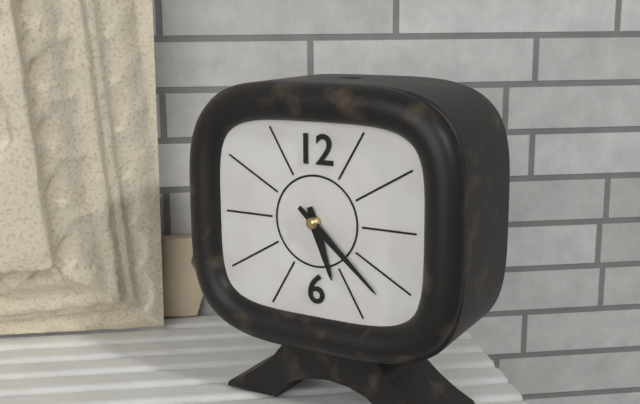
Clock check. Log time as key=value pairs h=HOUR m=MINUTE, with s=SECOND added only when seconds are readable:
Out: h=5 m=22
